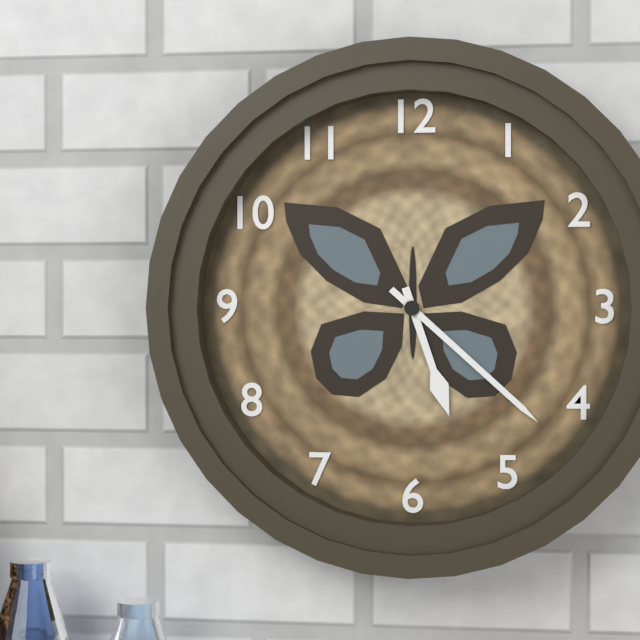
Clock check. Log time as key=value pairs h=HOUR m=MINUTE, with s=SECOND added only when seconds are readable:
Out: h=5 m=22
